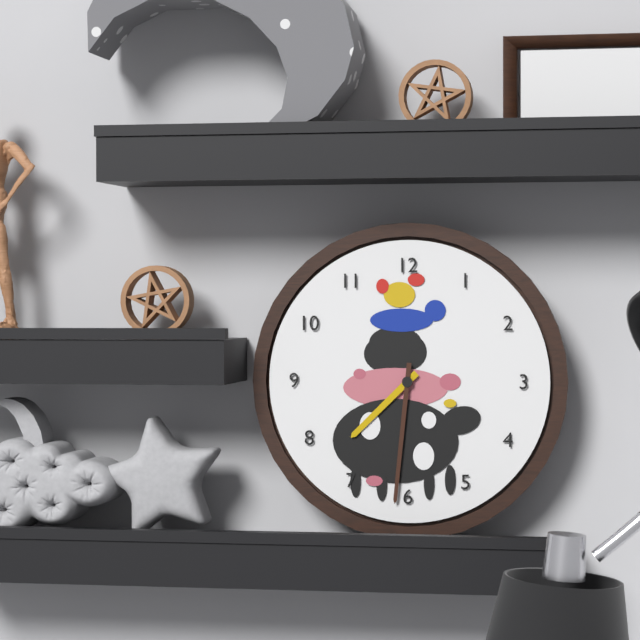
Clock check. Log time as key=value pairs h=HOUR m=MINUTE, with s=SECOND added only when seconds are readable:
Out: h=7 m=31
